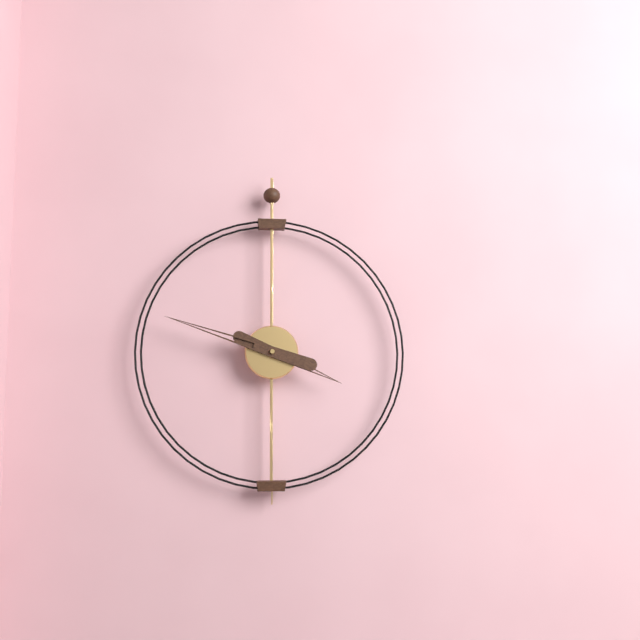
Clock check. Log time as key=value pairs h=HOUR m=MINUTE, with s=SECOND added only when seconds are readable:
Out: h=3 m=48
